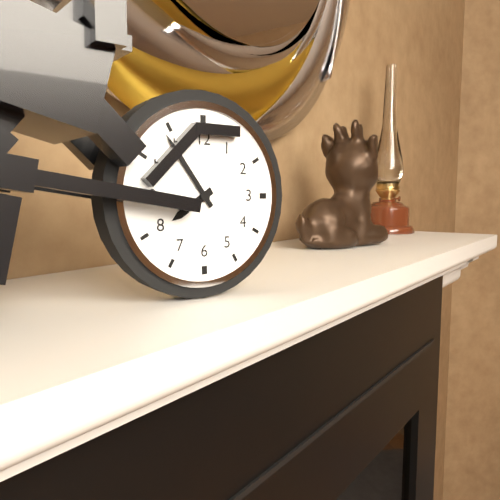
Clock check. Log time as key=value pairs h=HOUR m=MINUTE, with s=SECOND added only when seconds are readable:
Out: h=7 m=54
